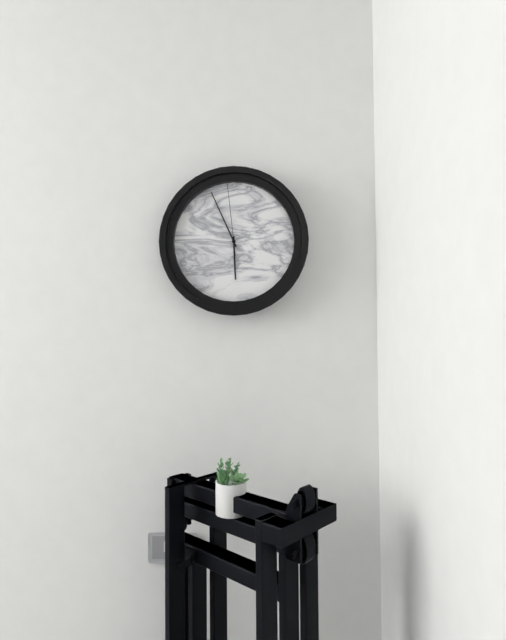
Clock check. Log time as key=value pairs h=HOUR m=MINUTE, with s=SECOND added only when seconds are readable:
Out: h=5 m=56 s=59
